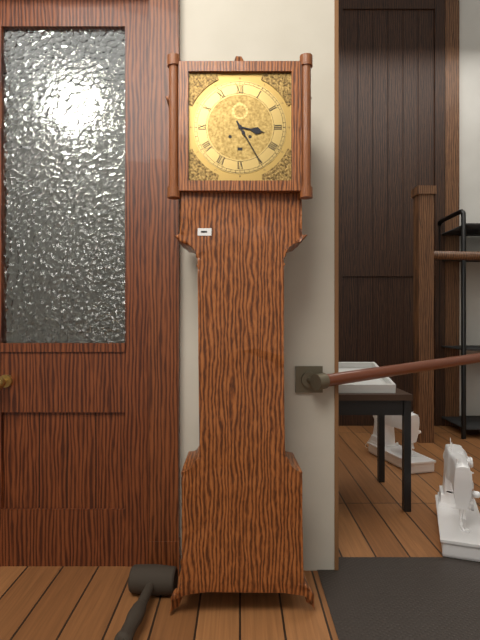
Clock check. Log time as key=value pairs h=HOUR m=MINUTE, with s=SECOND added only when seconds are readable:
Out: h=3 m=25
